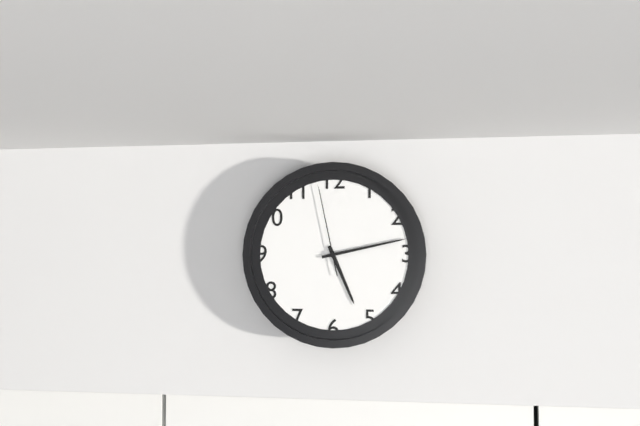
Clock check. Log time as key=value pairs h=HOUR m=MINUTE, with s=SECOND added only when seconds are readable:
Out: h=5 m=13 s=58
